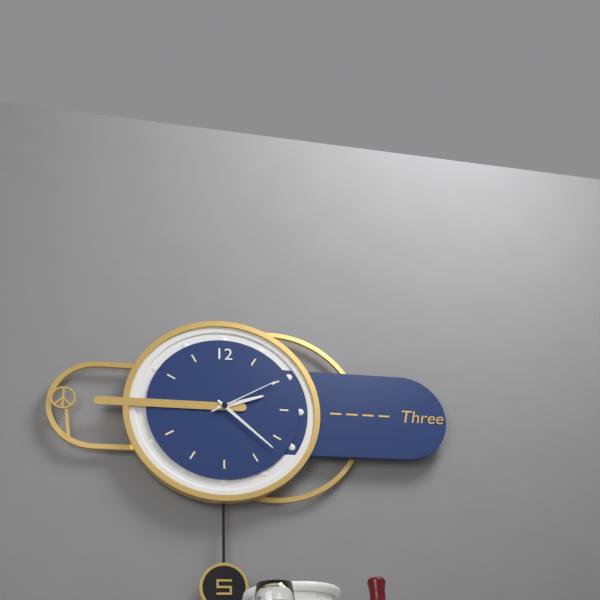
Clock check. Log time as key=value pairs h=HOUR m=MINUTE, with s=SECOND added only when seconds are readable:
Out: h=2 m=22 s=10
